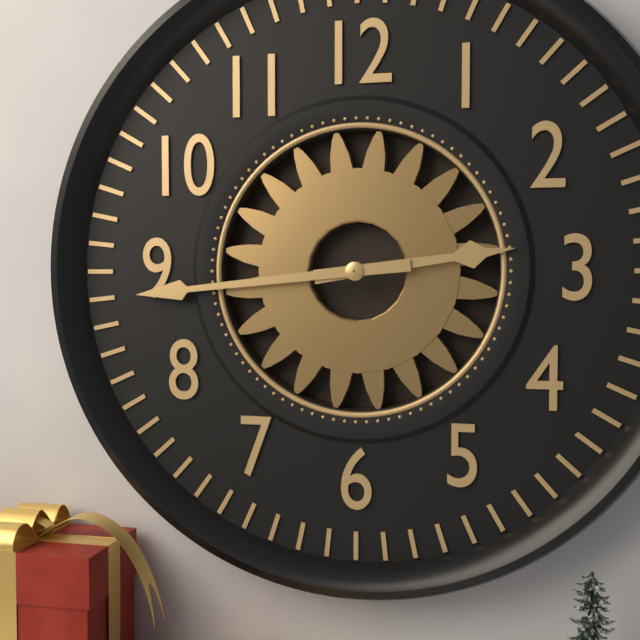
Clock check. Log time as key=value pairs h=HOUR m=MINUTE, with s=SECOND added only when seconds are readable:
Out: h=2 m=44
